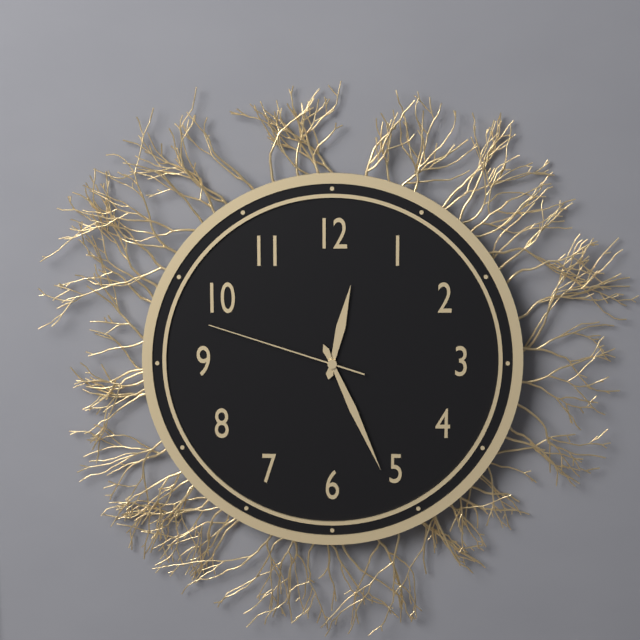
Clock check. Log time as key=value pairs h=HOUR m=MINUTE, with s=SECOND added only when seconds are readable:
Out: h=12 m=26 s=48
